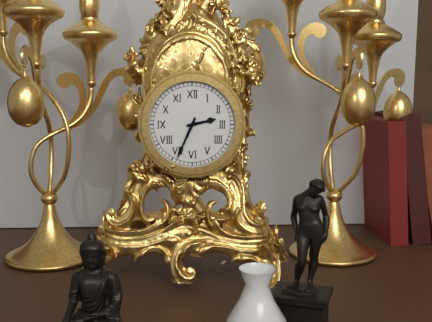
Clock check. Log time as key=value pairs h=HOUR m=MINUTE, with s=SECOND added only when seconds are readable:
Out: h=2 m=34
